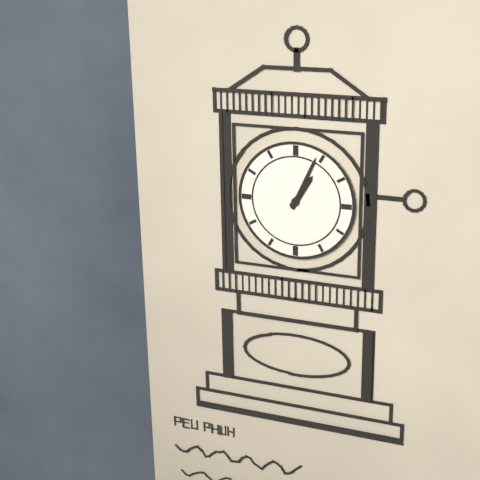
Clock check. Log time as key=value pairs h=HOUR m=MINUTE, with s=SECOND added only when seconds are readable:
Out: h=1 m=4
